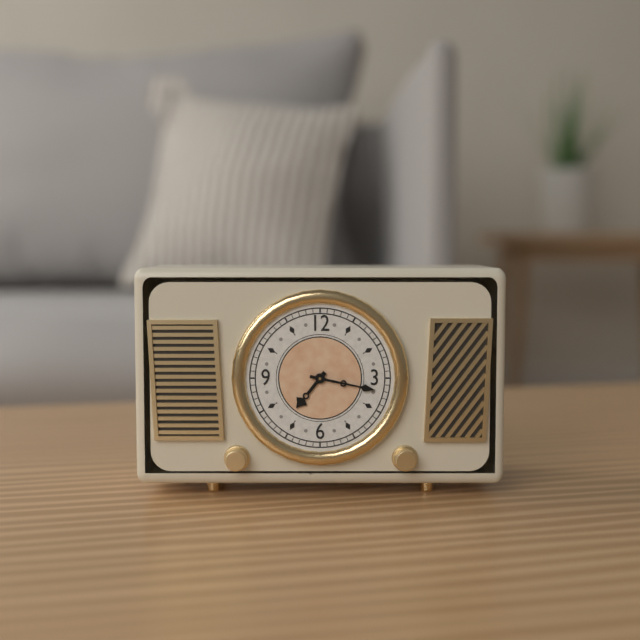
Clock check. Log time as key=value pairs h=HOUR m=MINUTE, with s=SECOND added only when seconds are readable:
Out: h=7 m=17
